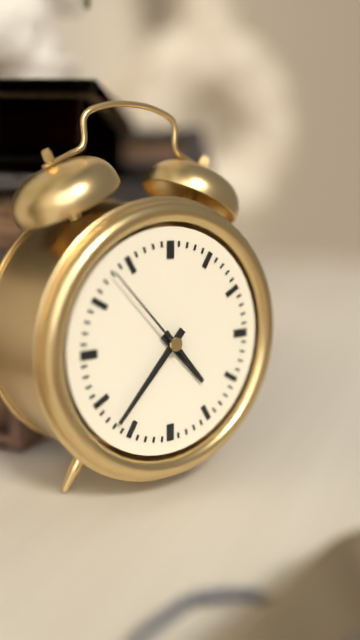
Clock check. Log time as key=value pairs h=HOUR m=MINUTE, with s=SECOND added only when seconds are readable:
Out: h=4 m=37 s=53
